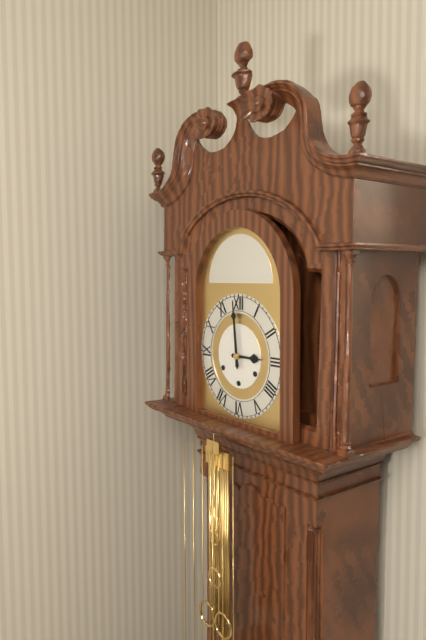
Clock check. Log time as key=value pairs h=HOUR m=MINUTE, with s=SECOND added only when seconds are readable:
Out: h=2 m=59
